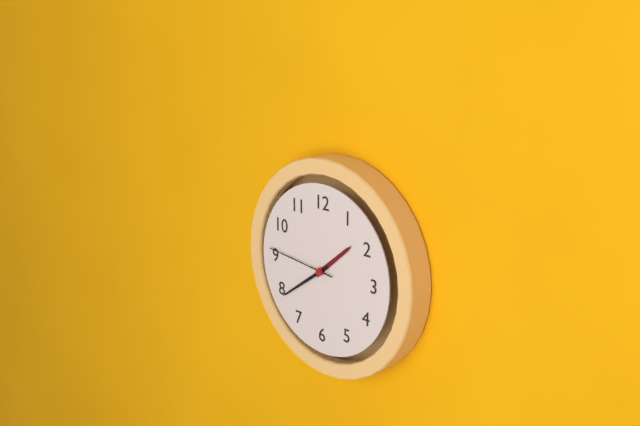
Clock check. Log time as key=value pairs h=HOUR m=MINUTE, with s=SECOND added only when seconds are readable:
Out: h=1 m=39 s=46
